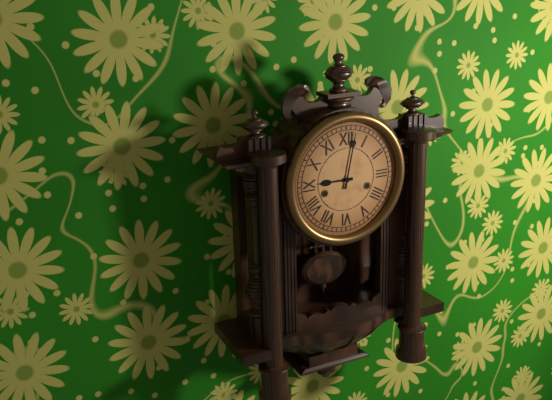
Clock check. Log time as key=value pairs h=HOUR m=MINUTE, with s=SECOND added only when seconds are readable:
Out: h=9 m=2
